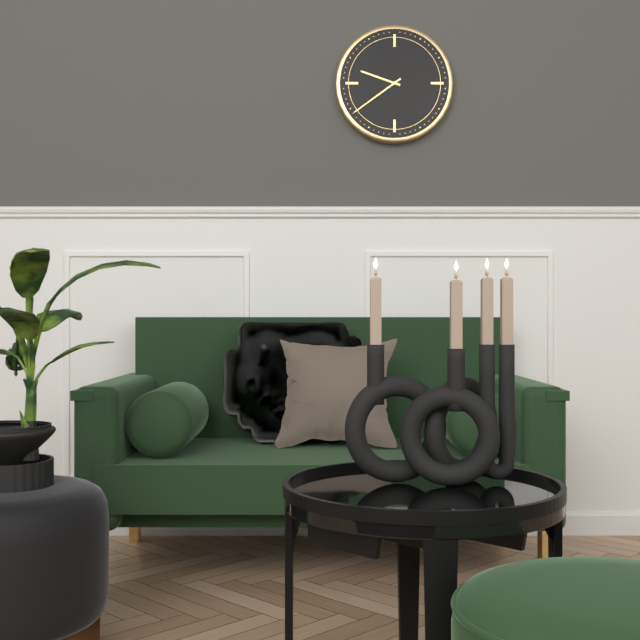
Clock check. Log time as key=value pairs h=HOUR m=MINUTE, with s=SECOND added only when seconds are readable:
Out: h=9 m=39
